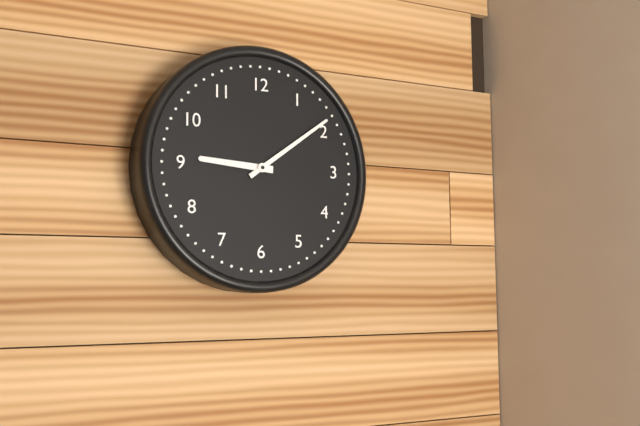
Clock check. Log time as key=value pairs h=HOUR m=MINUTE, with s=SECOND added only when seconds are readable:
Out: h=9 m=9
